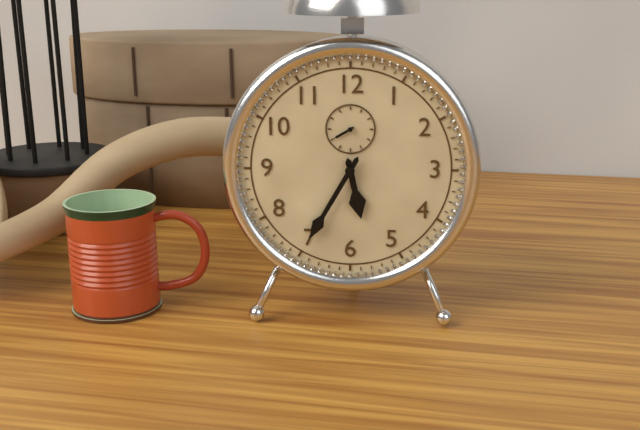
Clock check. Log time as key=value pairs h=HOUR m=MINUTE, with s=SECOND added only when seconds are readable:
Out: h=5 m=35
